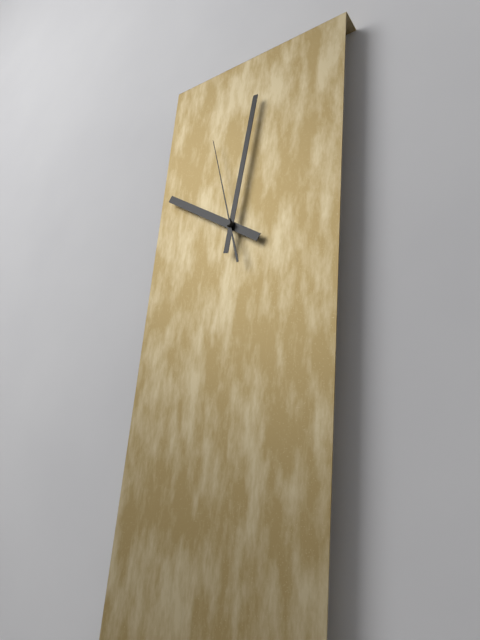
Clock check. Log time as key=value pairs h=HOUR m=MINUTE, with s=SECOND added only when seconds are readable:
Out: h=10 m=1 s=57
